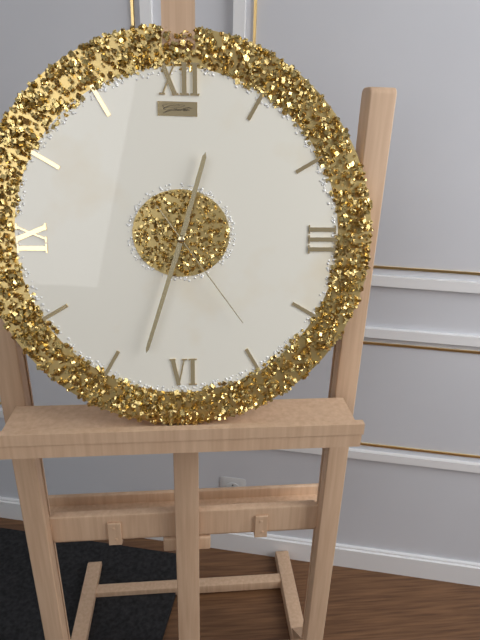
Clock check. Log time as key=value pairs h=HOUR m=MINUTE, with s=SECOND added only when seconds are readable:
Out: h=12 m=33 s=24
